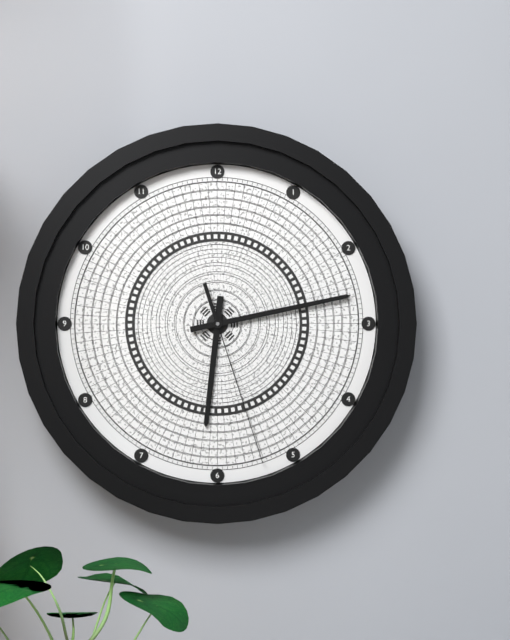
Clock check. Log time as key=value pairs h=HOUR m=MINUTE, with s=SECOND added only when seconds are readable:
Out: h=6 m=13 s=27
